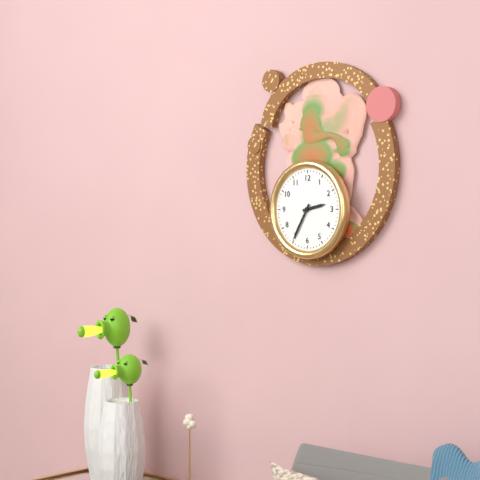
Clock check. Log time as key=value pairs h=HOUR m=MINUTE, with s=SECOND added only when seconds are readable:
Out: h=2 m=35
